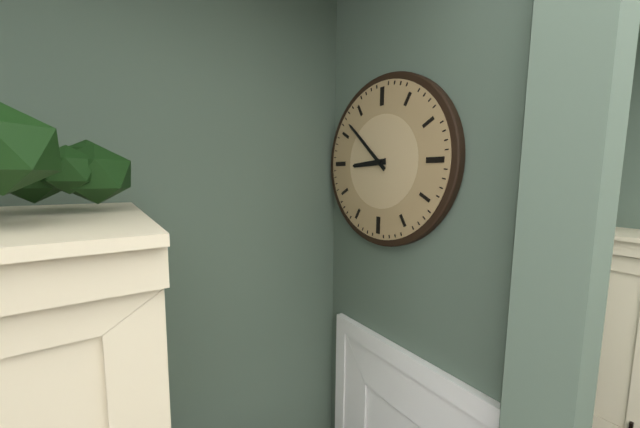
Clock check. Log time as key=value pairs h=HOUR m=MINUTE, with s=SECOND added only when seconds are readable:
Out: h=8 m=52
